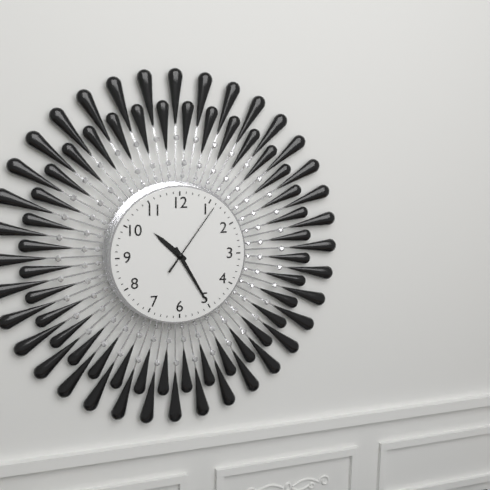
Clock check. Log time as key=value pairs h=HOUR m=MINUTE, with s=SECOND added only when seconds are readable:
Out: h=10 m=25 s=6
